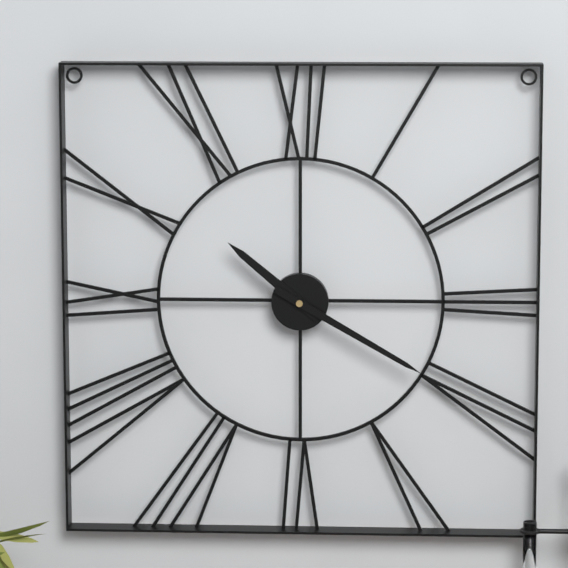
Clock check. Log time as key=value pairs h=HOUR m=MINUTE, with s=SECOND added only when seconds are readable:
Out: h=10 m=20
